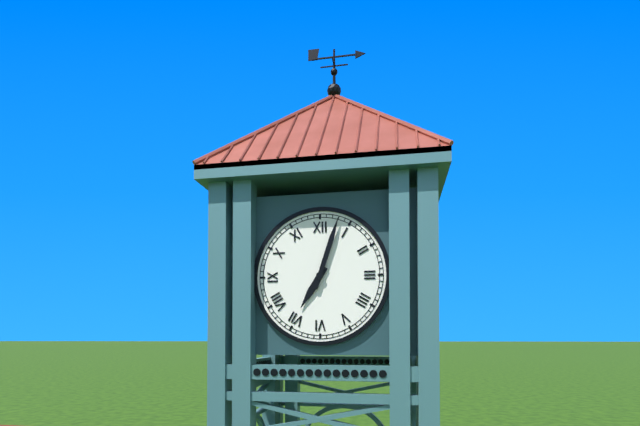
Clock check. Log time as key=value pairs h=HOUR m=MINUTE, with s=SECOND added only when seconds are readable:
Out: h=7 m=3
